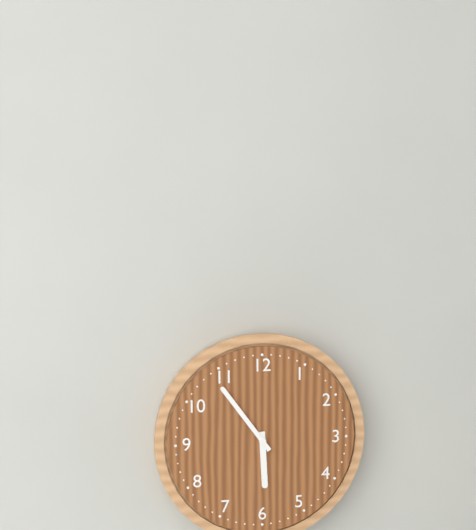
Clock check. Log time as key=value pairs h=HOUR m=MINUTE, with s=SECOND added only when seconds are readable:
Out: h=5 m=54
